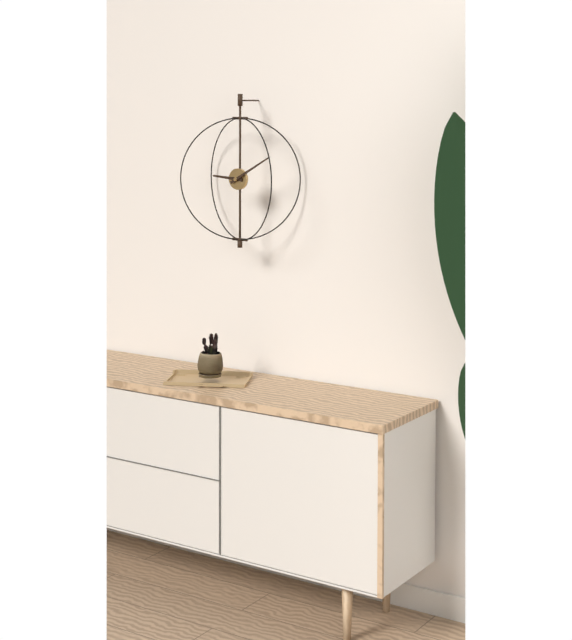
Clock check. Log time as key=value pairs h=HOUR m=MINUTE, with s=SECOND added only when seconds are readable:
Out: h=9 m=10
